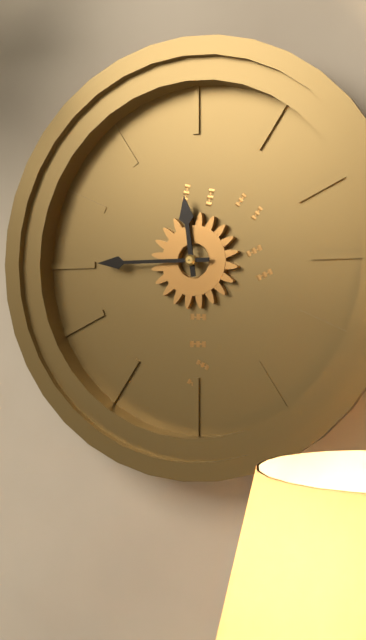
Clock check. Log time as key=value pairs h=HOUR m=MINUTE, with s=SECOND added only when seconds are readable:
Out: h=11 m=45
